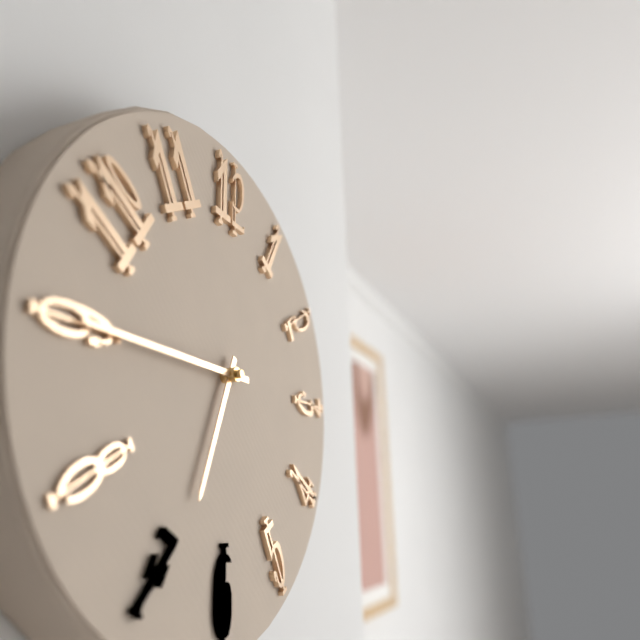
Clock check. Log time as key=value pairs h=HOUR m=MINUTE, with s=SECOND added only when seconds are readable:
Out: h=6 m=45
